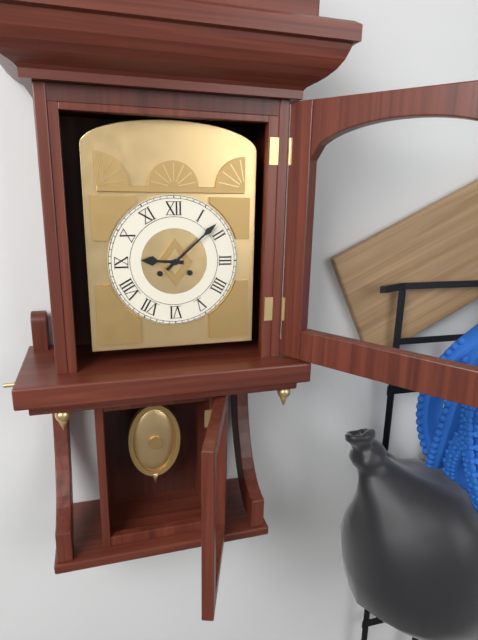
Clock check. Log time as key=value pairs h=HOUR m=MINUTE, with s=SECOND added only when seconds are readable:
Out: h=9 m=8
